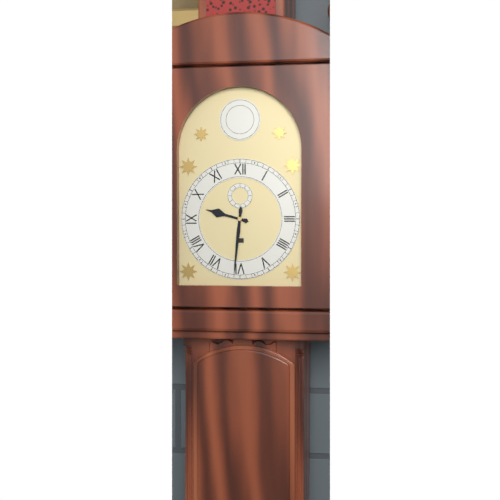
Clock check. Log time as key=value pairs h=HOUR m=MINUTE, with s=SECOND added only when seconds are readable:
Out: h=9 m=31
